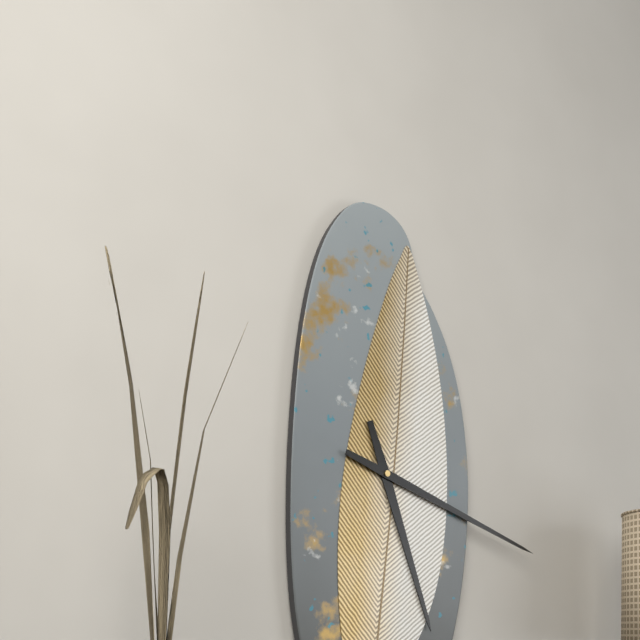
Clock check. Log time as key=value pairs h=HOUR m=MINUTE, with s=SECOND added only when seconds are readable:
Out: h=5 m=18
